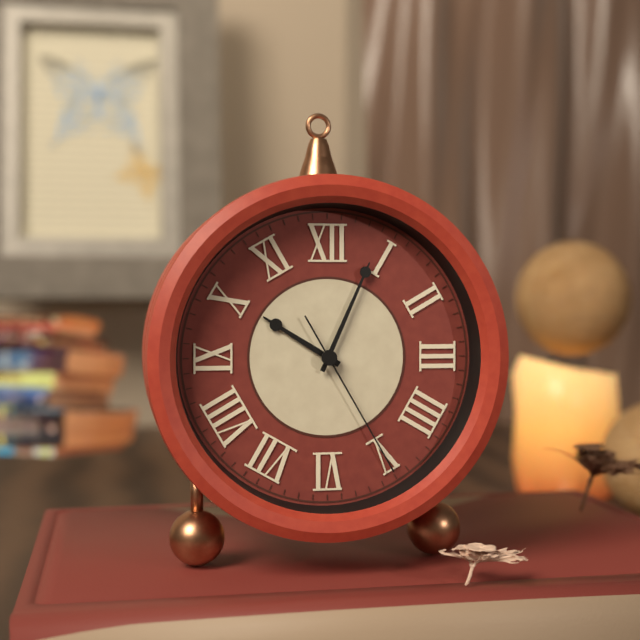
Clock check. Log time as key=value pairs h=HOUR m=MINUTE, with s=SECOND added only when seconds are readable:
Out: h=10 m=4 s=25
